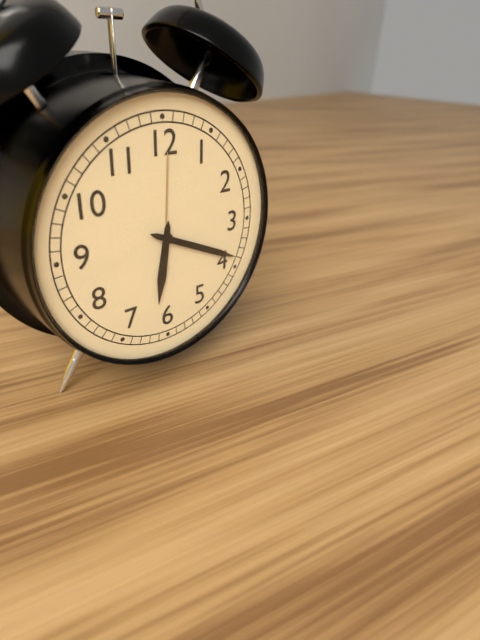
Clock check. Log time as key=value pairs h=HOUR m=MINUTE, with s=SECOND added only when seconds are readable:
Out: h=6 m=19
